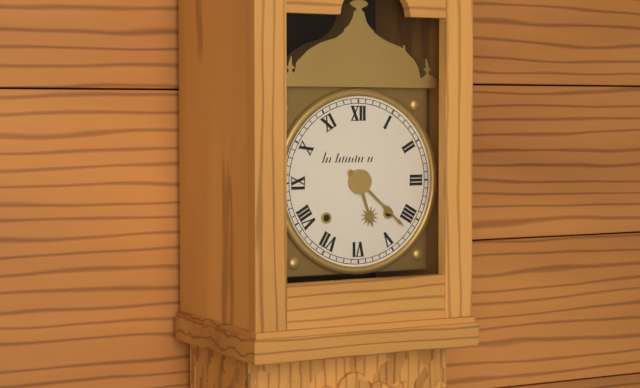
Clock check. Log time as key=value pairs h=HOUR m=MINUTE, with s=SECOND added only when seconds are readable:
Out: h=5 m=22
